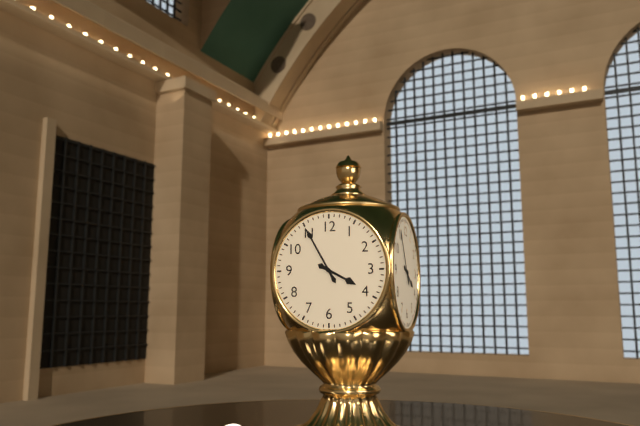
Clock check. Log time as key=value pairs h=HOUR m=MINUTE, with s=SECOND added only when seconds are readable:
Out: h=3 m=55
